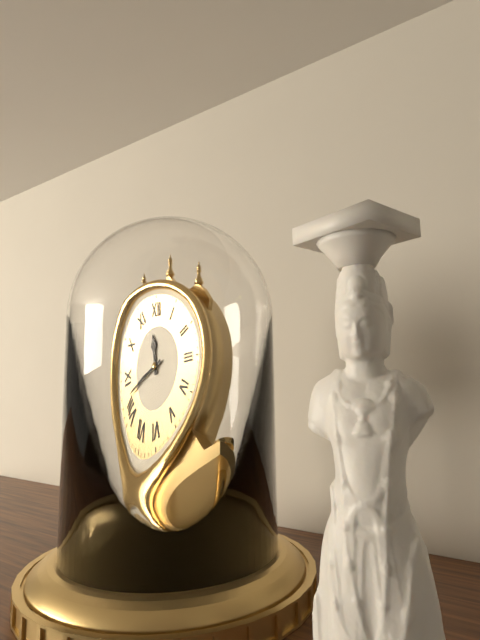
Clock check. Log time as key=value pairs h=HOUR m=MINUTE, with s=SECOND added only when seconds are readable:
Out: h=11 m=42
